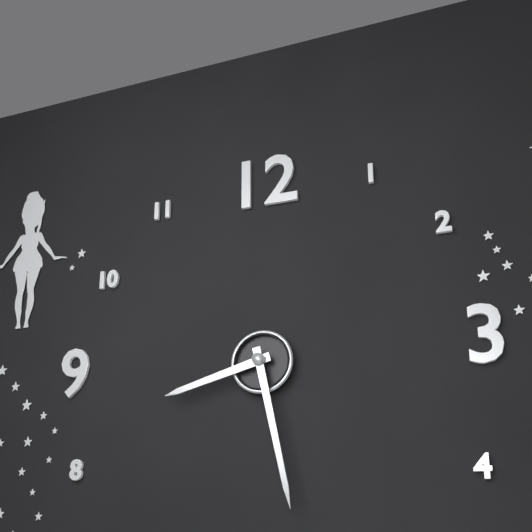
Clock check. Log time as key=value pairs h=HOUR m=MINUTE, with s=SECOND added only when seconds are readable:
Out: h=8 m=28
